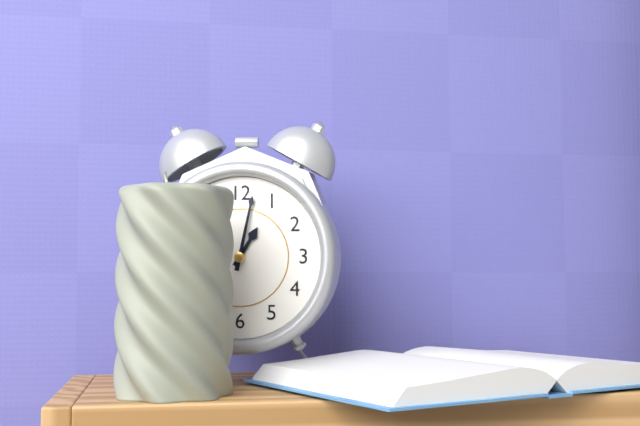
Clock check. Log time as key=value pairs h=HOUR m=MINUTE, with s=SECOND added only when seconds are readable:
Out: h=1 m=2
